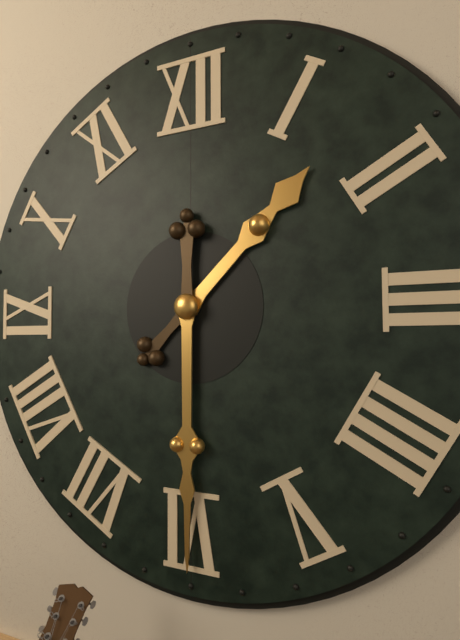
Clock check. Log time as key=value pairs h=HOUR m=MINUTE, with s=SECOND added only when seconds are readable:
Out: h=1 m=30
